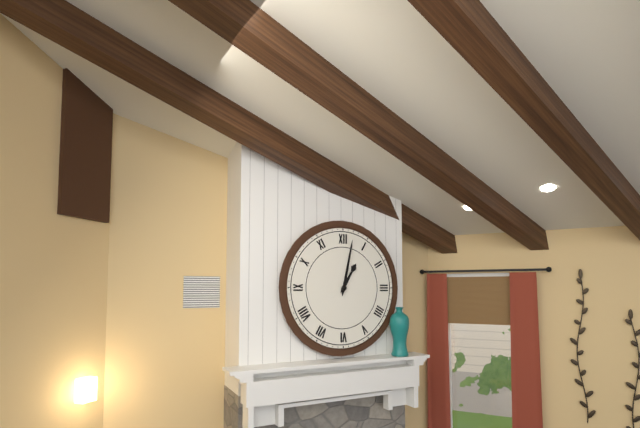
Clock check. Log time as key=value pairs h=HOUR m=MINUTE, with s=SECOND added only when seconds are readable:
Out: h=1 m=2
